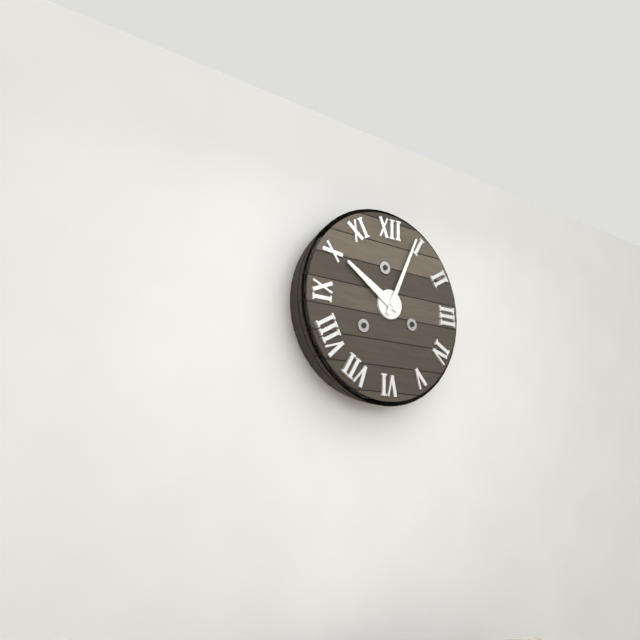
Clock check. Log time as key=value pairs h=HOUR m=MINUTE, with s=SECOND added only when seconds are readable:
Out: h=10 m=4
